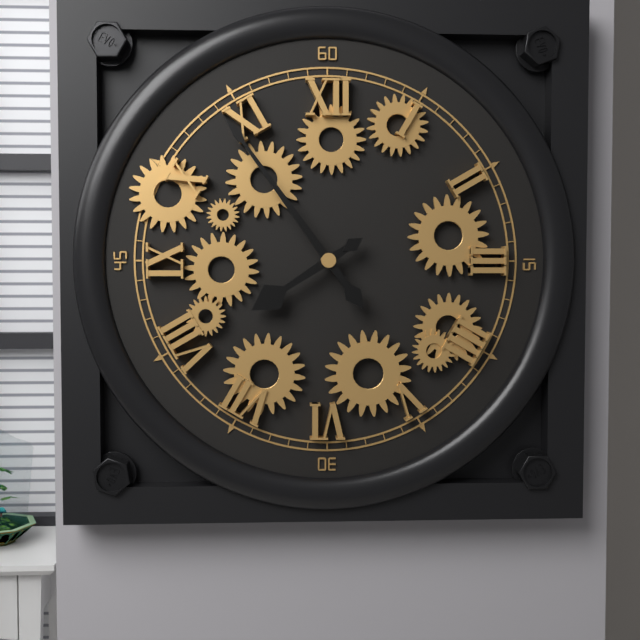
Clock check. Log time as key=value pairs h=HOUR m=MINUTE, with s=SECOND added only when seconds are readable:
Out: h=7 m=54
